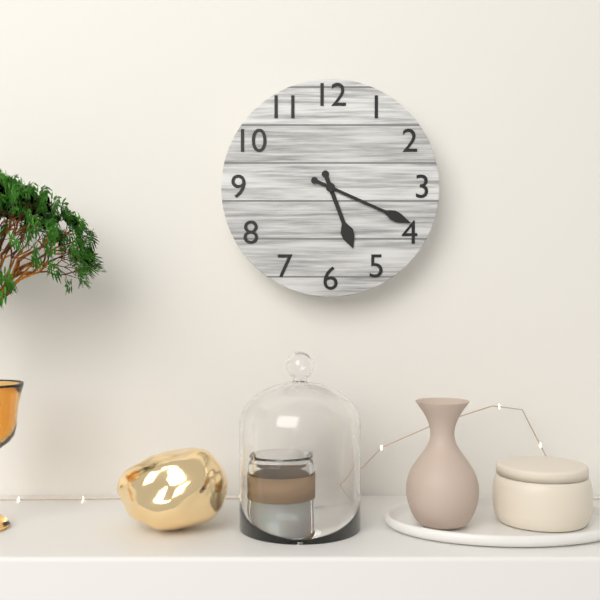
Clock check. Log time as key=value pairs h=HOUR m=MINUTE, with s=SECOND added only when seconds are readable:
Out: h=5 m=19
